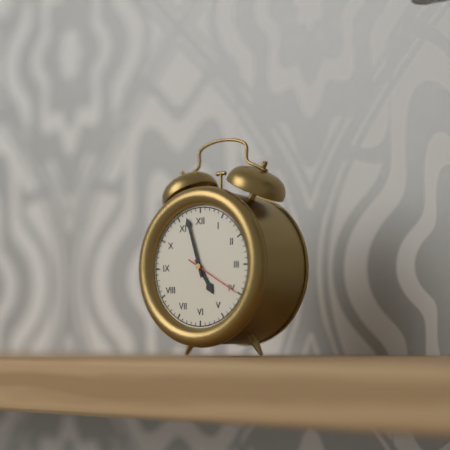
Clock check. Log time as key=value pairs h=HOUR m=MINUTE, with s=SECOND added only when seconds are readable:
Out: h=4 m=57 s=20
